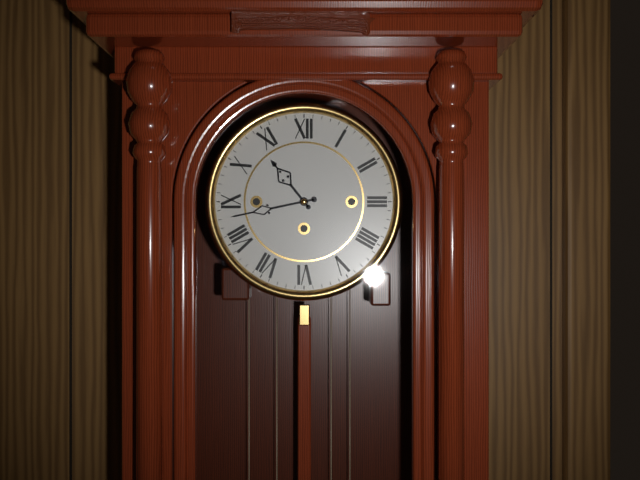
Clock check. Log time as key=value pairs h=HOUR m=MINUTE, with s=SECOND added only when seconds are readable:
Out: h=10 m=43
